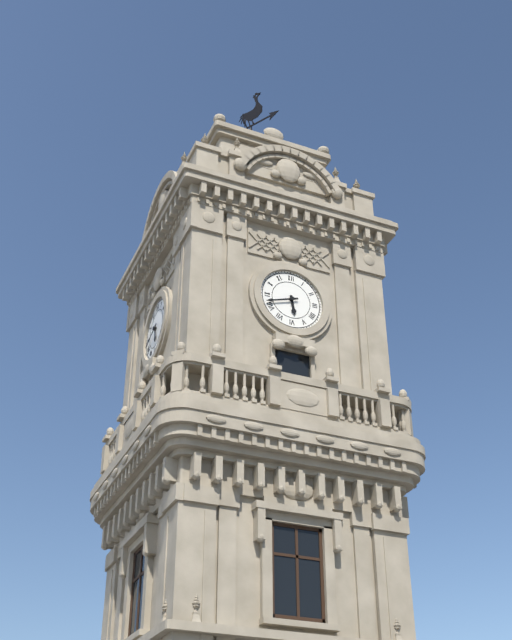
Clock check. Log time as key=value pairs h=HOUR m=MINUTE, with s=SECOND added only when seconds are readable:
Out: h=5 m=42
